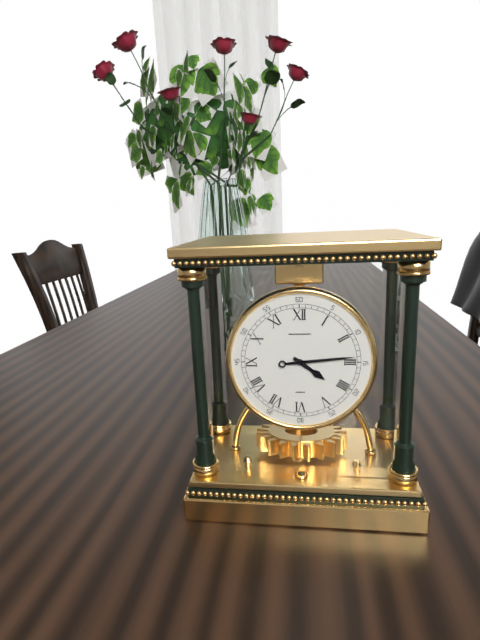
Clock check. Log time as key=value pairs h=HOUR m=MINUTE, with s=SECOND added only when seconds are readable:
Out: h=4 m=14
